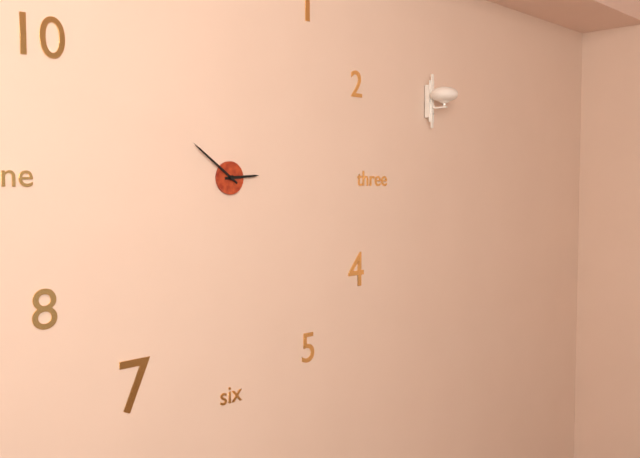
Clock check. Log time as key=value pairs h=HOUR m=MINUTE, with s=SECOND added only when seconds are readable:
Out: h=2 m=51
